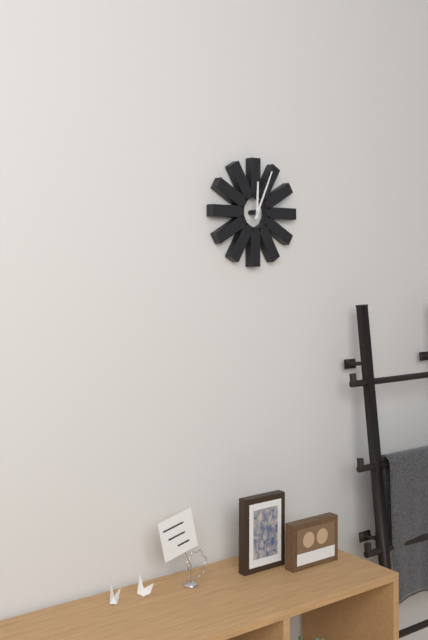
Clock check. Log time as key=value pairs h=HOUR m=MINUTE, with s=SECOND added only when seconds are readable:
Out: h=12 m=4
